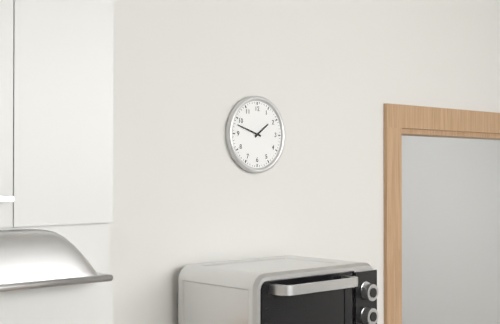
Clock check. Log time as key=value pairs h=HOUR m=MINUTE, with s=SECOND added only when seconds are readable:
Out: h=1 m=48
